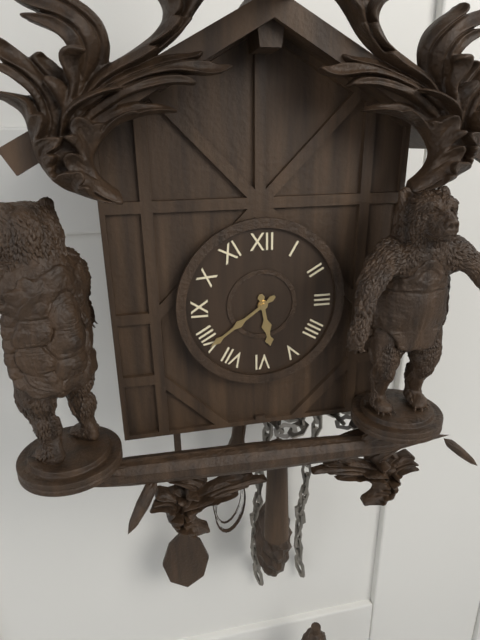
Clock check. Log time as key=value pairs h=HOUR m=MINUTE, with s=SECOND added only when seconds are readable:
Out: h=5 m=39
